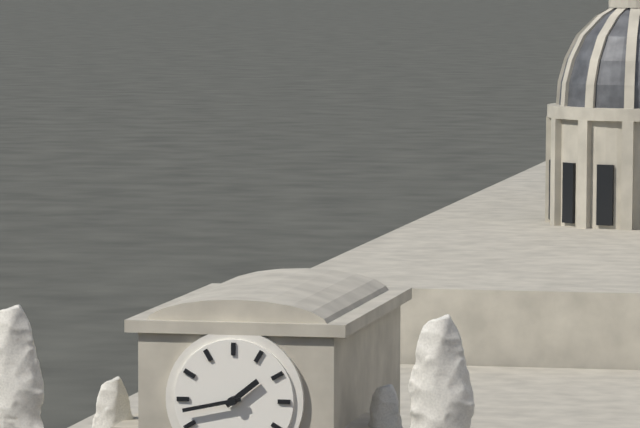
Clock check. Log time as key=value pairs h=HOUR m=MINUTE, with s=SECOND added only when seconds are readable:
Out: h=1 m=43
